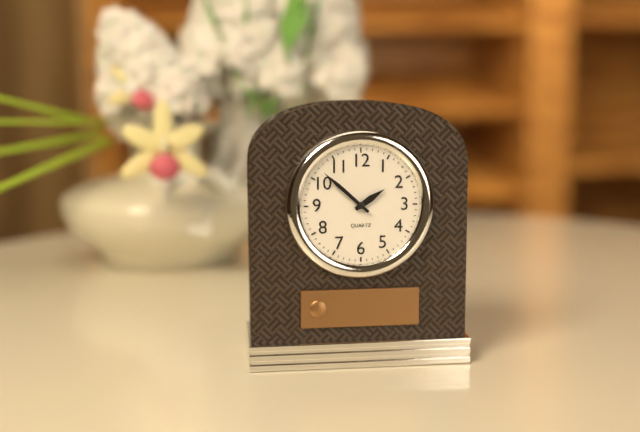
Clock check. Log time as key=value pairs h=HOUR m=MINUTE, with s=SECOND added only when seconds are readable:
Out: h=1 m=52
